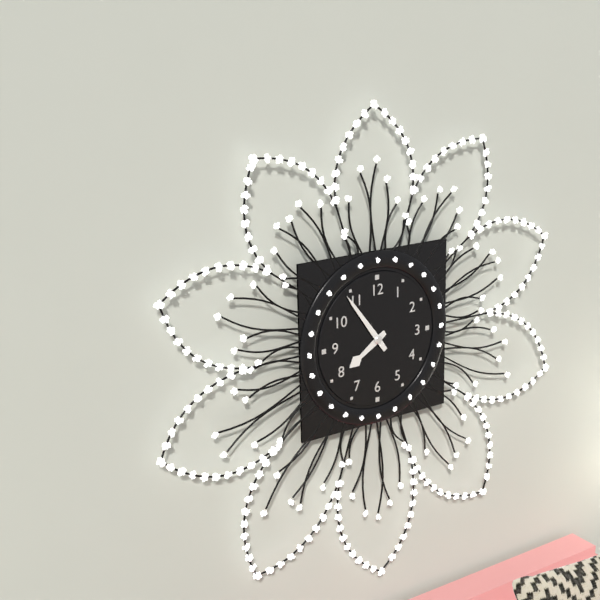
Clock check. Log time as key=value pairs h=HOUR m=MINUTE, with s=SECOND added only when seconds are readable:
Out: h=7 m=54
